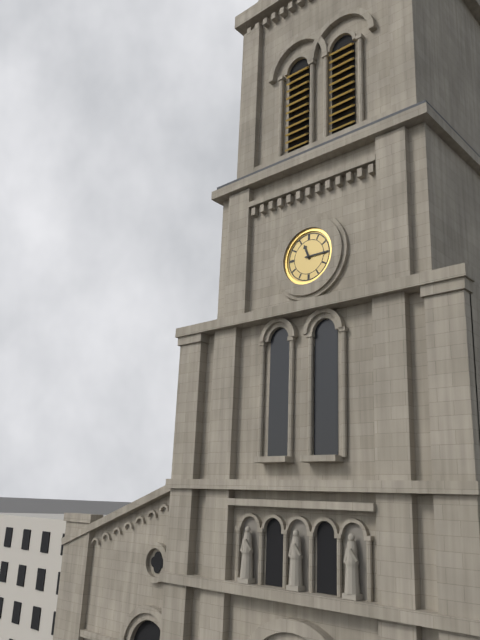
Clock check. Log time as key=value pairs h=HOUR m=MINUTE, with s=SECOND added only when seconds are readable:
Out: h=11 m=15
